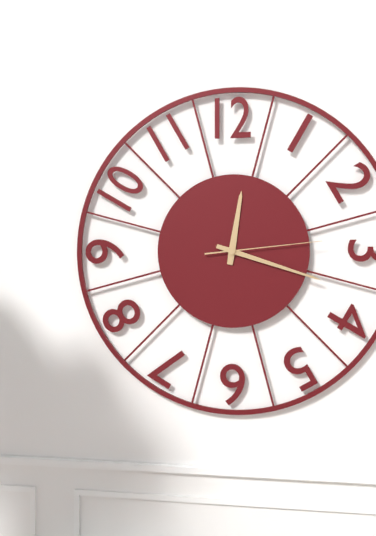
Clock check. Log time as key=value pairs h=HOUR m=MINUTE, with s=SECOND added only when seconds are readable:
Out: h=12 m=18 s=14
